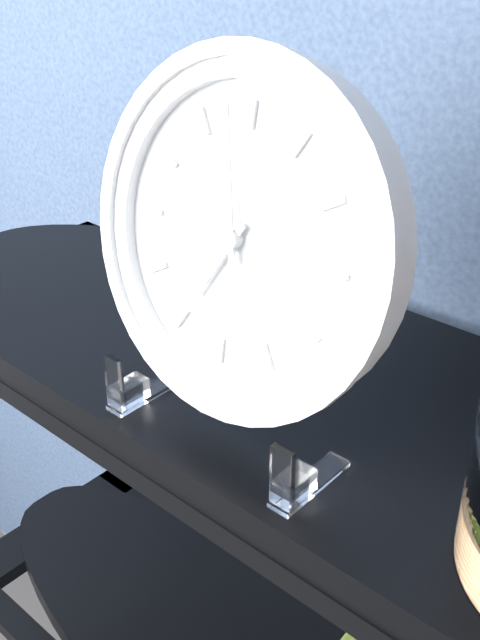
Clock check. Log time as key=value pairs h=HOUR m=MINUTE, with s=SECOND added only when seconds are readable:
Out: h=6 m=58
